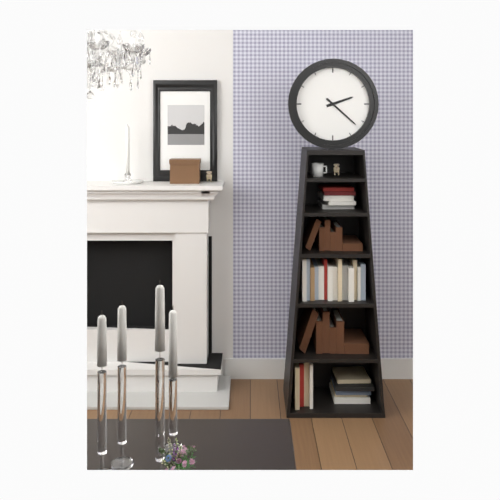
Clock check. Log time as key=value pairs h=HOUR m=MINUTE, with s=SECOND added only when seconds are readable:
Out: h=2 m=22
